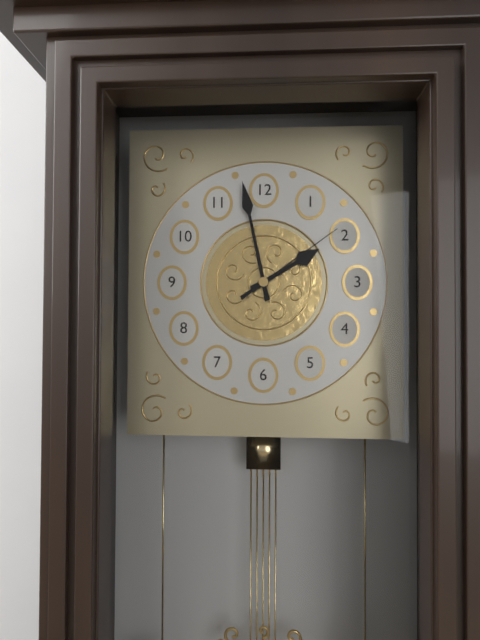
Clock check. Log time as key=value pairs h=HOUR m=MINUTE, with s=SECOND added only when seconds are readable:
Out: h=1 m=58 s=9
